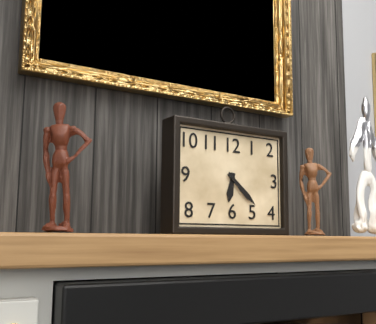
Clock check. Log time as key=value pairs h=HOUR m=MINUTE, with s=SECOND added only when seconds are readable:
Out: h=6 m=22
